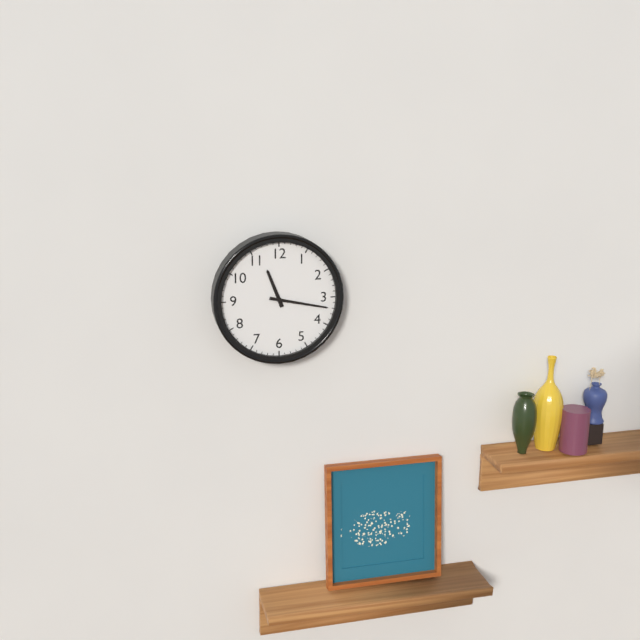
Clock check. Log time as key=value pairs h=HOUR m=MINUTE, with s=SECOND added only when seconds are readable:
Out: h=11 m=17
